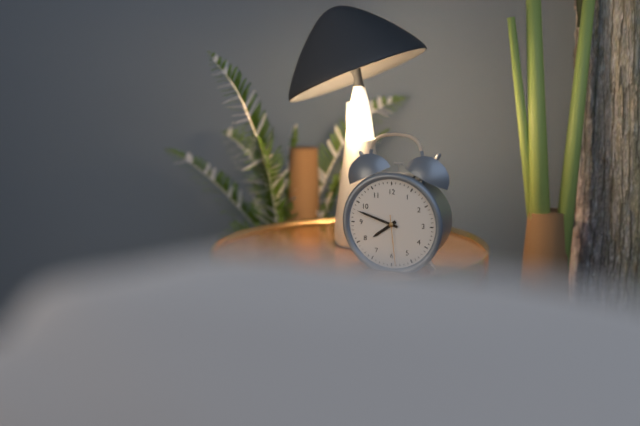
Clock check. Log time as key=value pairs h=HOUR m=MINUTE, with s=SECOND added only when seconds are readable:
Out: h=7 m=48 s=29
